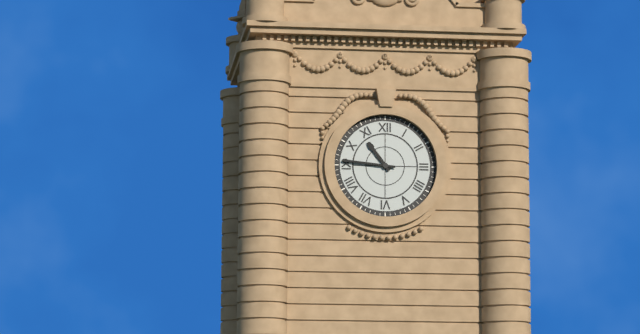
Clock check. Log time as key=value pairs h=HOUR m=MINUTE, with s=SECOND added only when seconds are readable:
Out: h=10 m=46
